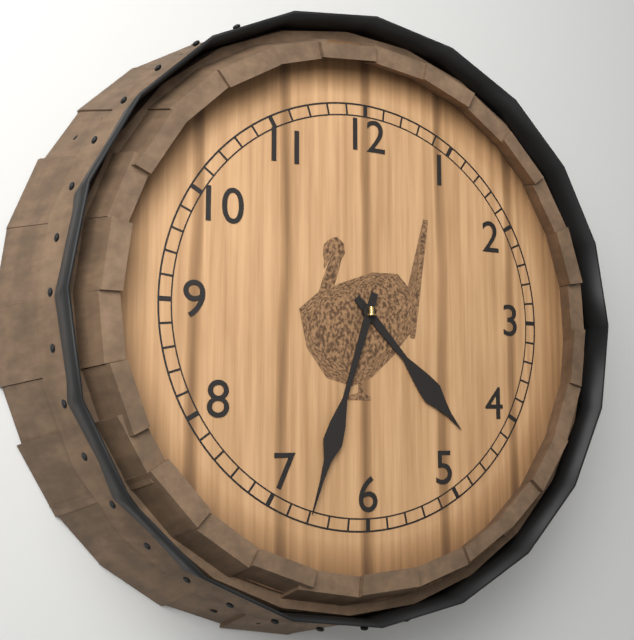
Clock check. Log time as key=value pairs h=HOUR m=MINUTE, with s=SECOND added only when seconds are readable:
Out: h=4 m=33
